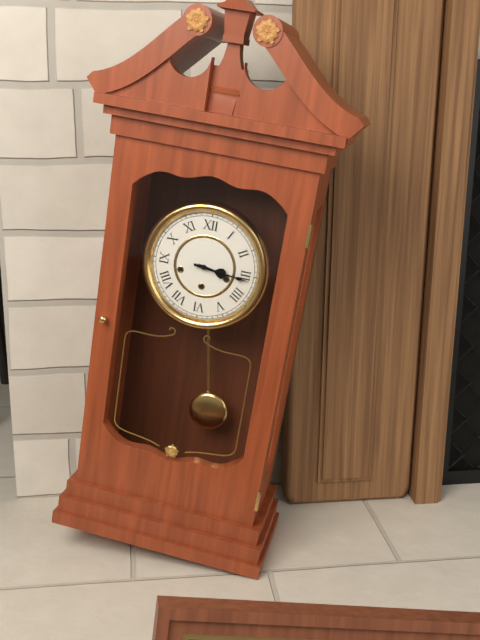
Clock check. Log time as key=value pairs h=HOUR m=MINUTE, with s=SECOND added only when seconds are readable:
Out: h=3 m=16
